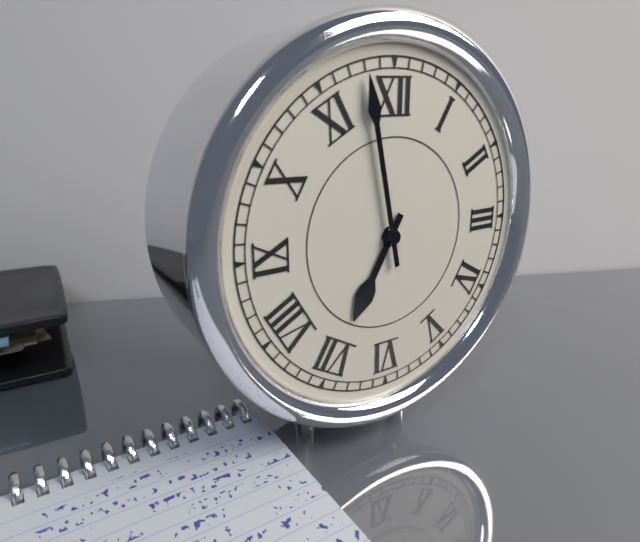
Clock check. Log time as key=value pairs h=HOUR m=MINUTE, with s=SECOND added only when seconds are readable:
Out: h=6 m=58
